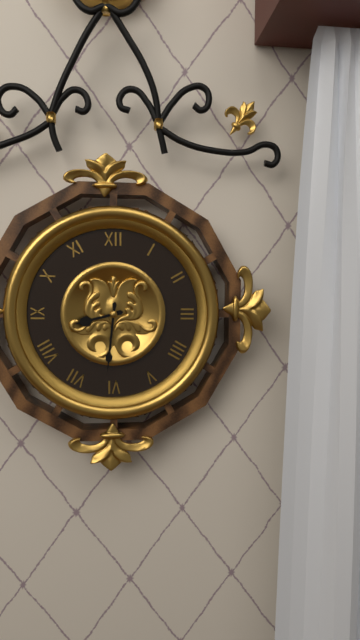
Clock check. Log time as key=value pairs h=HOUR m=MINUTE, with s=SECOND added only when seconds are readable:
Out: h=8 m=31
